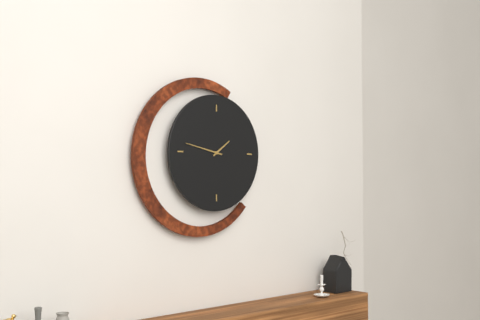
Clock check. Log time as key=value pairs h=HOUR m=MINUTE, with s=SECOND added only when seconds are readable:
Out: h=1 m=47
